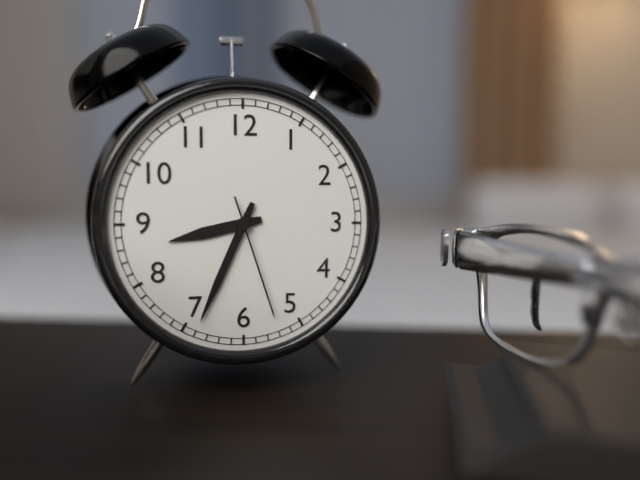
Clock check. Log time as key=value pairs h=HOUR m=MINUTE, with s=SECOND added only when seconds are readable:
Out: h=8 m=34 s=27
